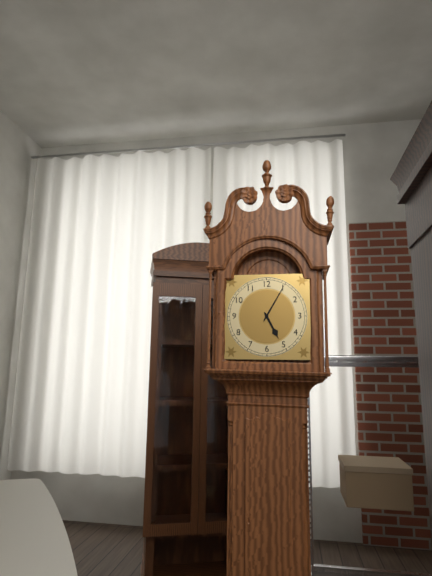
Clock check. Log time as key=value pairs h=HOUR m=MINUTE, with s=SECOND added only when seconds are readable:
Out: h=5 m=5
